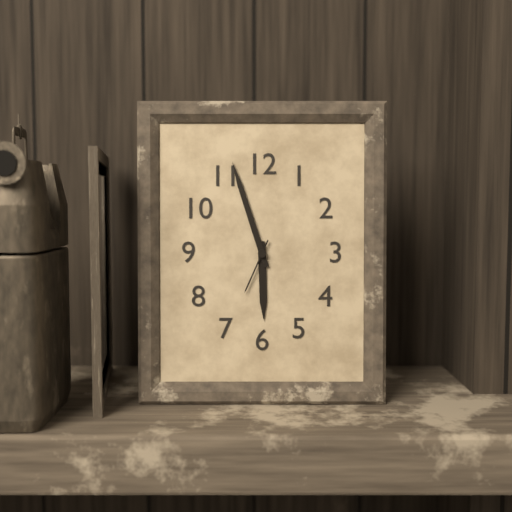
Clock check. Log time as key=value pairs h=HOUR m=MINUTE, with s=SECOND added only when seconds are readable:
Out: h=5 m=57 s=34
